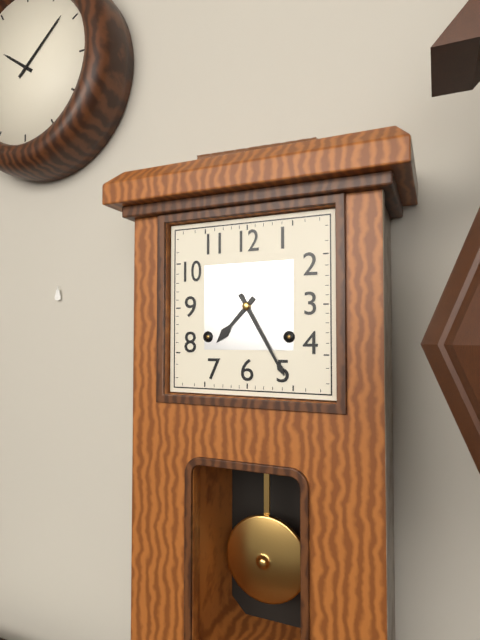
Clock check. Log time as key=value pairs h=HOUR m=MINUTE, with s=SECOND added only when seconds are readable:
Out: h=7 m=25
